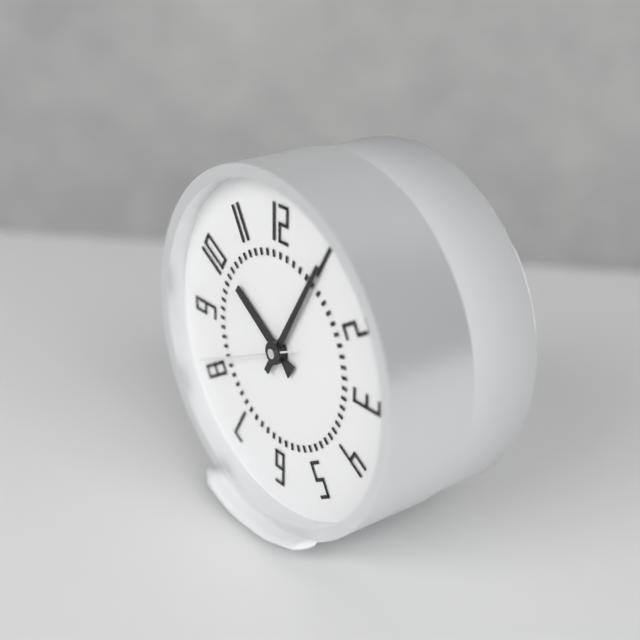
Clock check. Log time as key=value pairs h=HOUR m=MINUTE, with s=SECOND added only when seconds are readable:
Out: h=10 m=5 s=41
